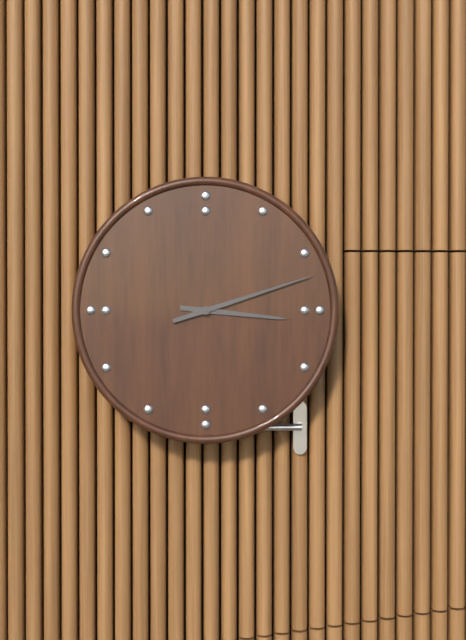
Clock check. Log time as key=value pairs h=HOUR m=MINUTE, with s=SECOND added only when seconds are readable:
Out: h=3 m=12
